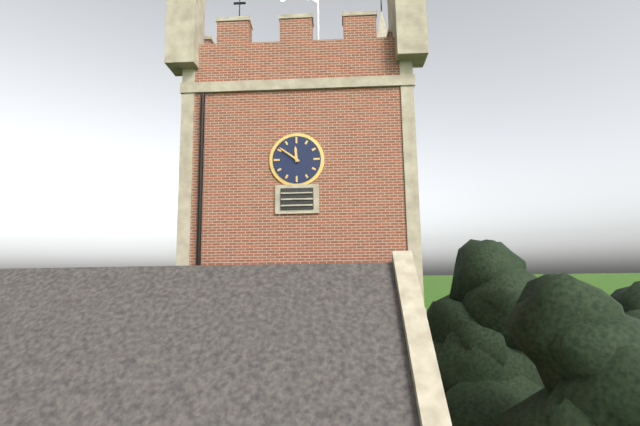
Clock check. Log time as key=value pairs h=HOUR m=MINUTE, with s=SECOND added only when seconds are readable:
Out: h=11 m=51
